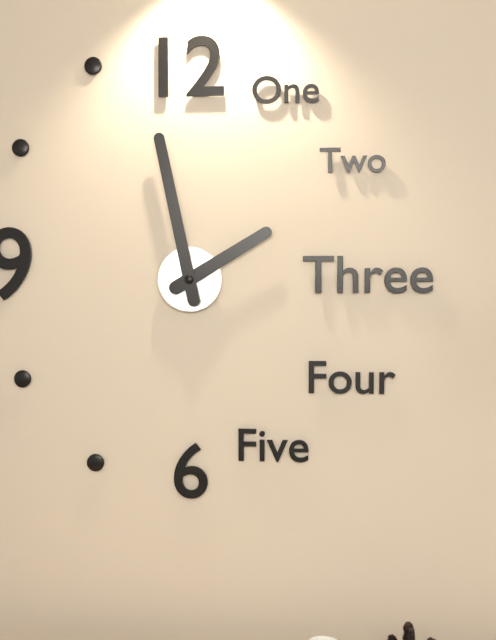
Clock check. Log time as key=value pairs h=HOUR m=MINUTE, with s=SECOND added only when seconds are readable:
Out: h=1 m=58
